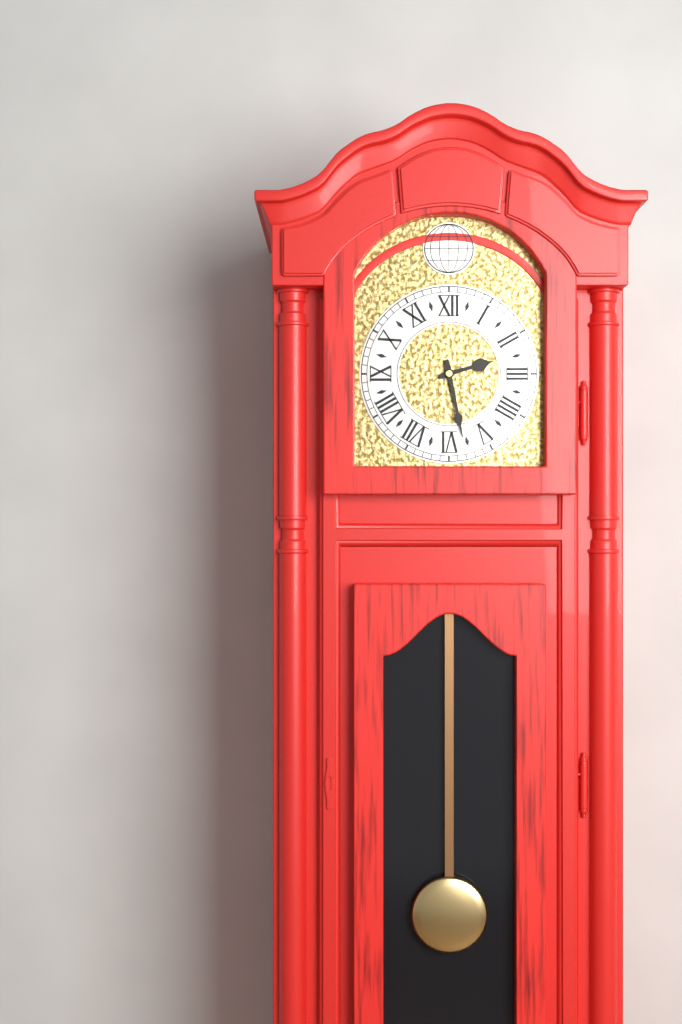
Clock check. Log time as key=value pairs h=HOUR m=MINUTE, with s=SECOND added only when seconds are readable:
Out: h=2 m=28
